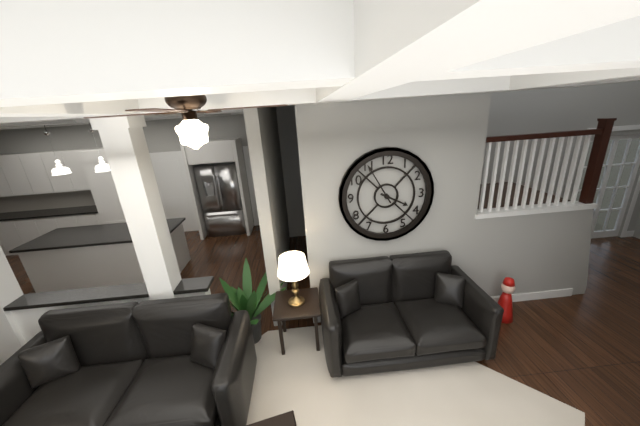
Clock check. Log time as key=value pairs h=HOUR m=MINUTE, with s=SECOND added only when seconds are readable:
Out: h=3 m=55
